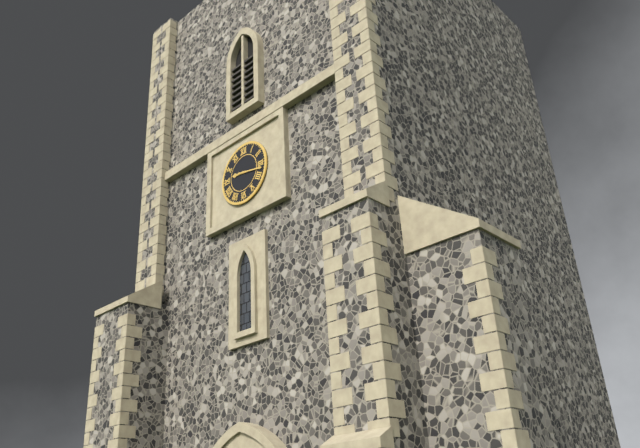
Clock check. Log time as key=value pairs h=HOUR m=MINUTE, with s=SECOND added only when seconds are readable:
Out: h=9 m=17
